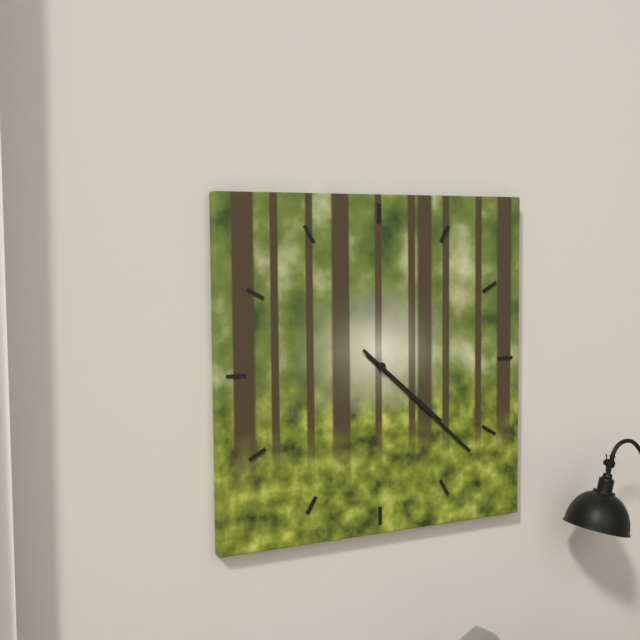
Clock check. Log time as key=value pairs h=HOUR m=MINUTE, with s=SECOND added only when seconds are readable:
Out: h=4 m=22
